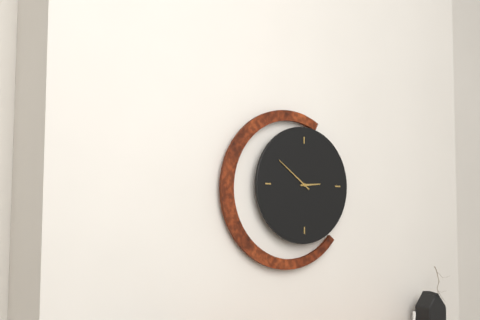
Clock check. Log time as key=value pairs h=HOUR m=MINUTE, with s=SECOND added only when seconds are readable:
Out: h=2 m=51
